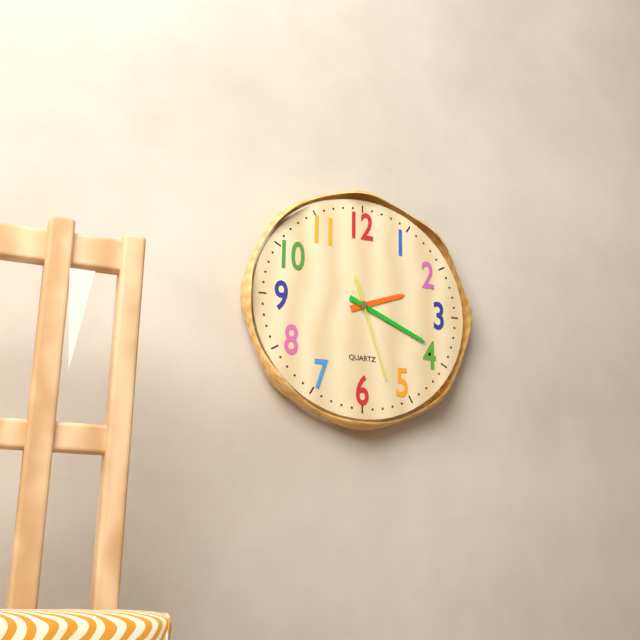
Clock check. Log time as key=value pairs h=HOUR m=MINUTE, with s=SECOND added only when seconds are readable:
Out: h=2 m=19 s=27
